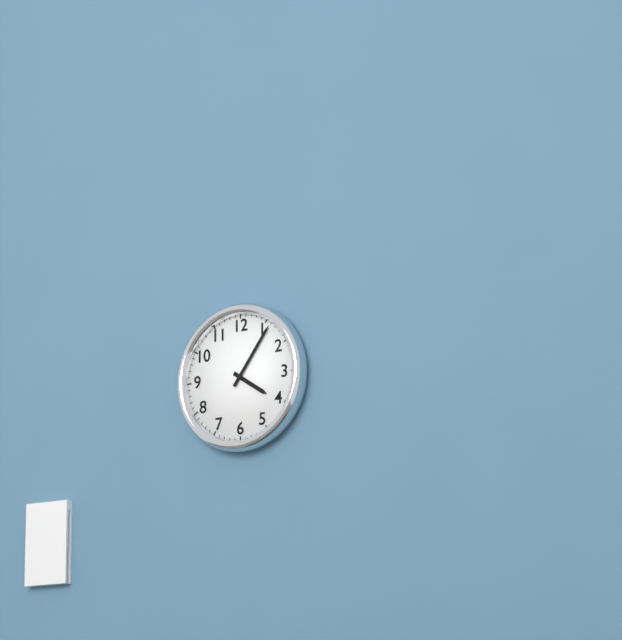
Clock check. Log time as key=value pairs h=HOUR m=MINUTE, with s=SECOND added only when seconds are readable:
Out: h=4 m=6
